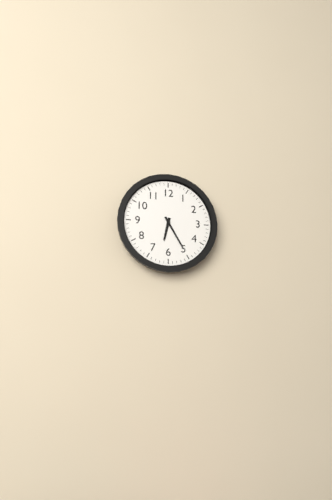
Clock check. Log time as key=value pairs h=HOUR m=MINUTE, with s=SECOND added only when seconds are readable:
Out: h=6 m=25
